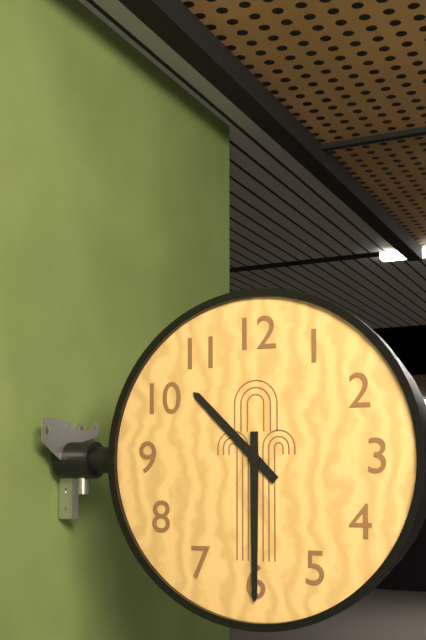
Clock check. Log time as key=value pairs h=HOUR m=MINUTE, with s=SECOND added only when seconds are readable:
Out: h=10 m=30
